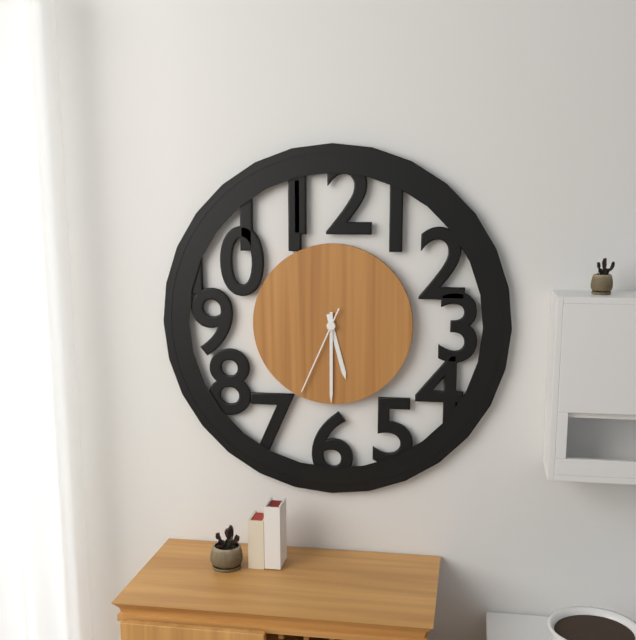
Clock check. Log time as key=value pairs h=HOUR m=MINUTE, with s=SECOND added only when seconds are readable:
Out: h=5 m=30 s=34
